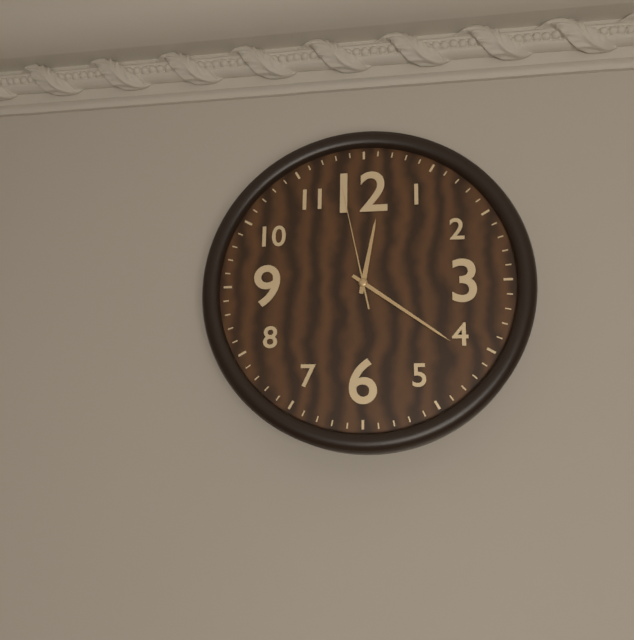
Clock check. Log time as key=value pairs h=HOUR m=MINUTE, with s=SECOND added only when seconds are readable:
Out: h=12 m=21 s=58
